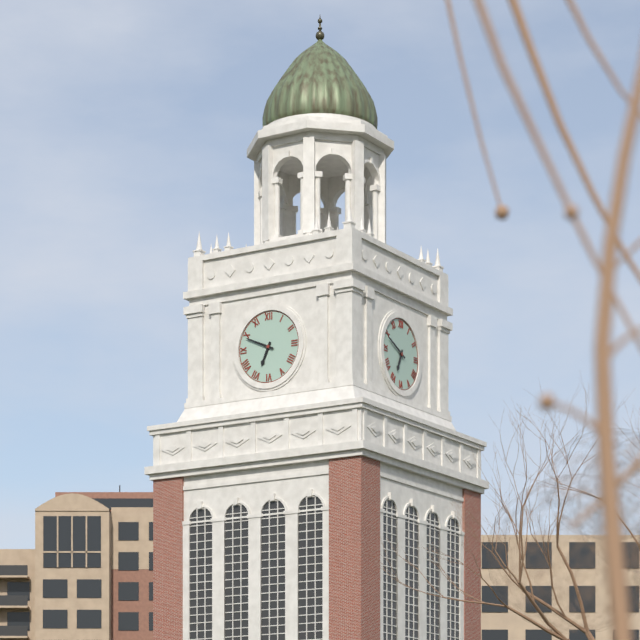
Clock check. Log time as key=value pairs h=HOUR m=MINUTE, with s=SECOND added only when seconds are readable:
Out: h=6 m=49
